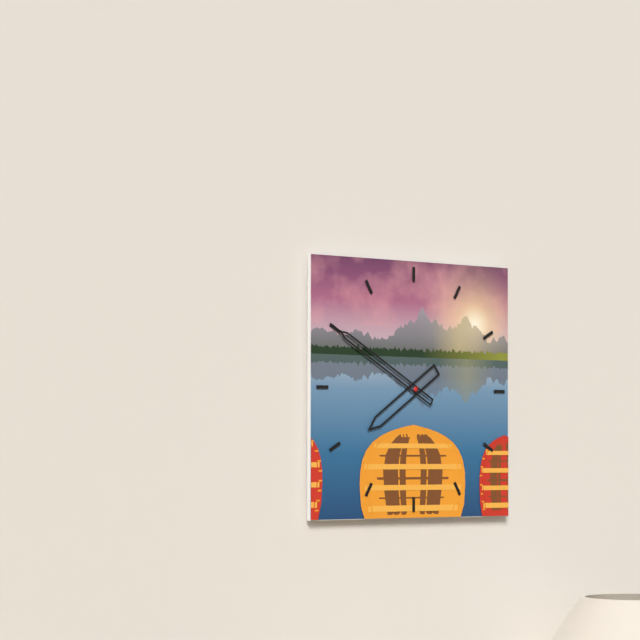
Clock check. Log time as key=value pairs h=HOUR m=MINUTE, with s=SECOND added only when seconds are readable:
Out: h=7 m=50
